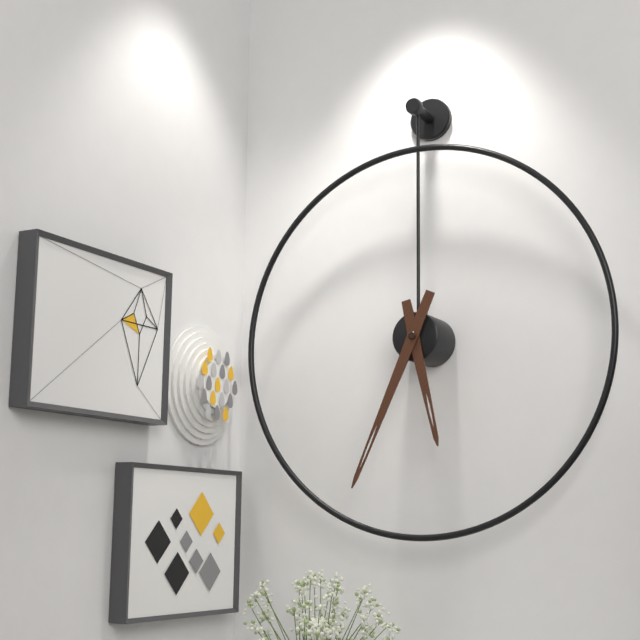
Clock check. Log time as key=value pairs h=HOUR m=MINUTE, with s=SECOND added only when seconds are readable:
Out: h=5 m=34
